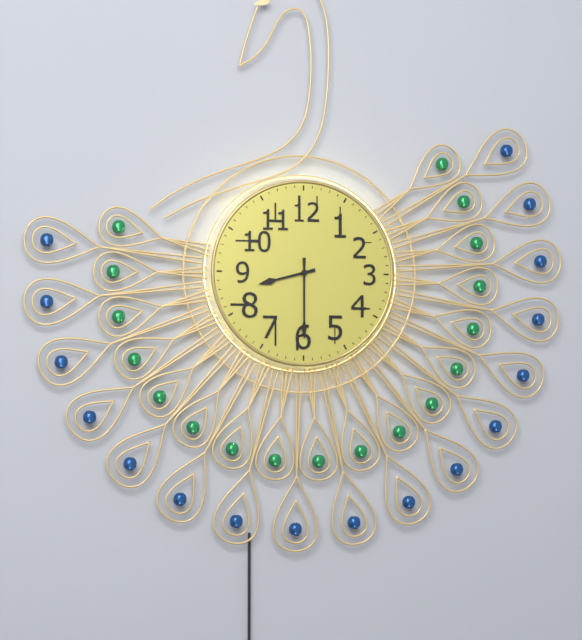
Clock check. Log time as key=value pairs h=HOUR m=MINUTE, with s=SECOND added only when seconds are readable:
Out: h=8 m=30
